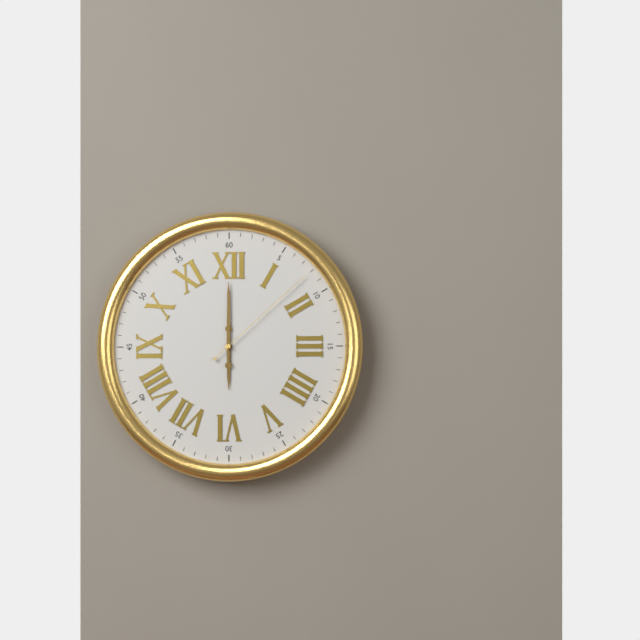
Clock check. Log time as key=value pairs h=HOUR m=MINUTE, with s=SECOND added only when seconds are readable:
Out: h=6 m=0 s=8
